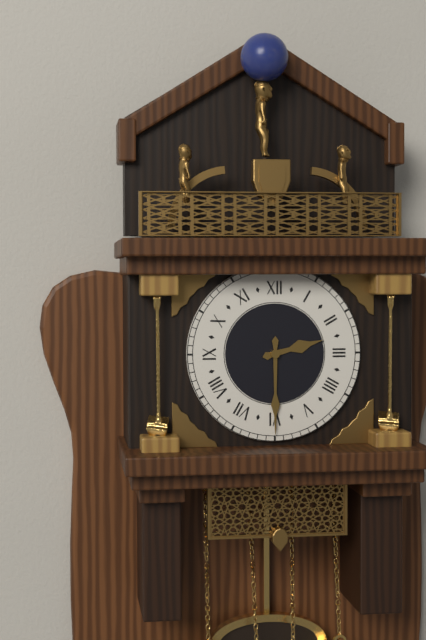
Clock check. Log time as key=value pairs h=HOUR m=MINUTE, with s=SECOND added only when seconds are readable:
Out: h=2 m=30
